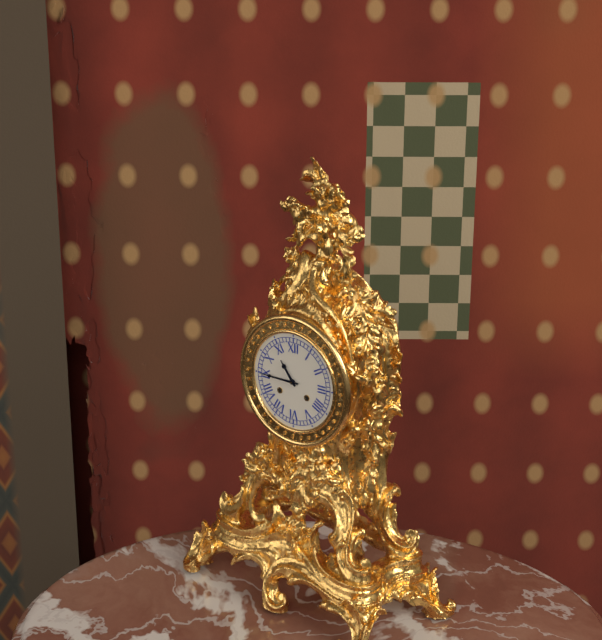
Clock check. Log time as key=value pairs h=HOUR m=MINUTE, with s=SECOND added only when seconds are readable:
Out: h=10 m=45
